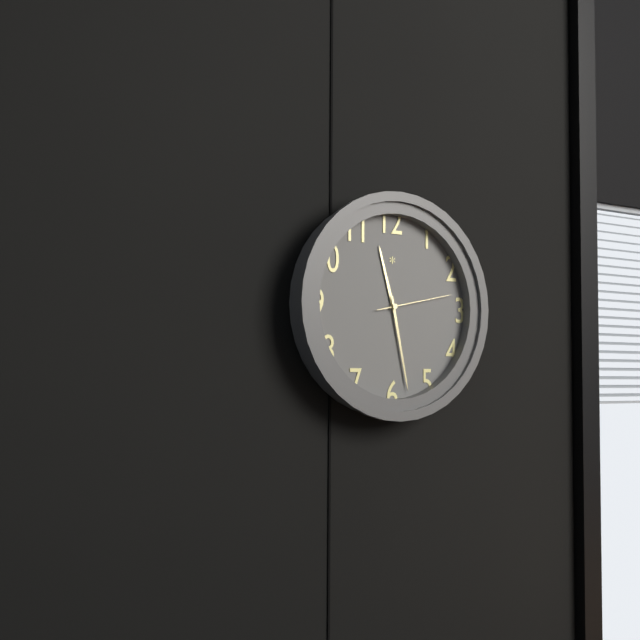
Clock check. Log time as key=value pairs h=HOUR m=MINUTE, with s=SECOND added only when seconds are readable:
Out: h=11 m=28 s=13
